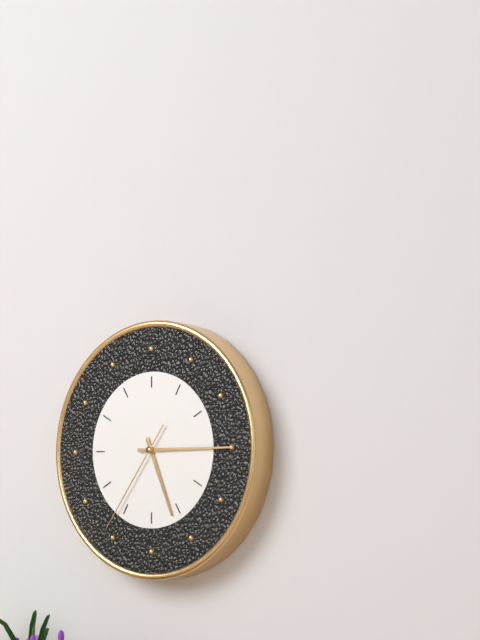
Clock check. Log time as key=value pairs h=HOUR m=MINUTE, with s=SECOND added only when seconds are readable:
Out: h=5 m=15 s=36
